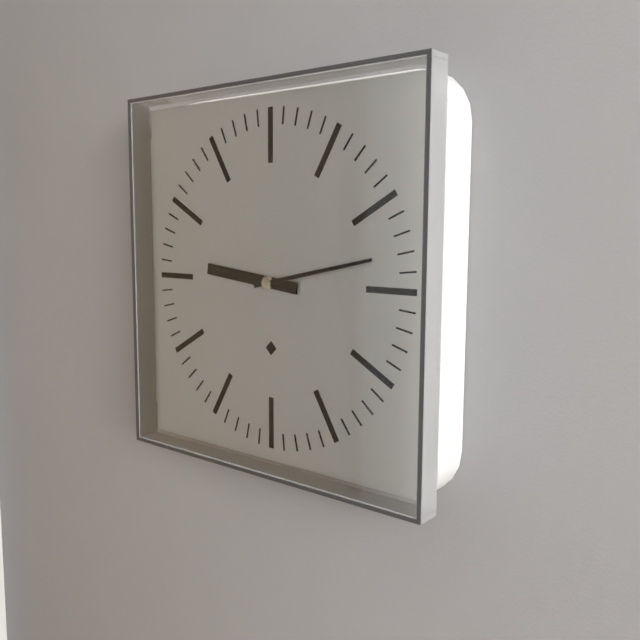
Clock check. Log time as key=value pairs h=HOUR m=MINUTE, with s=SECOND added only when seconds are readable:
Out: h=9 m=13
